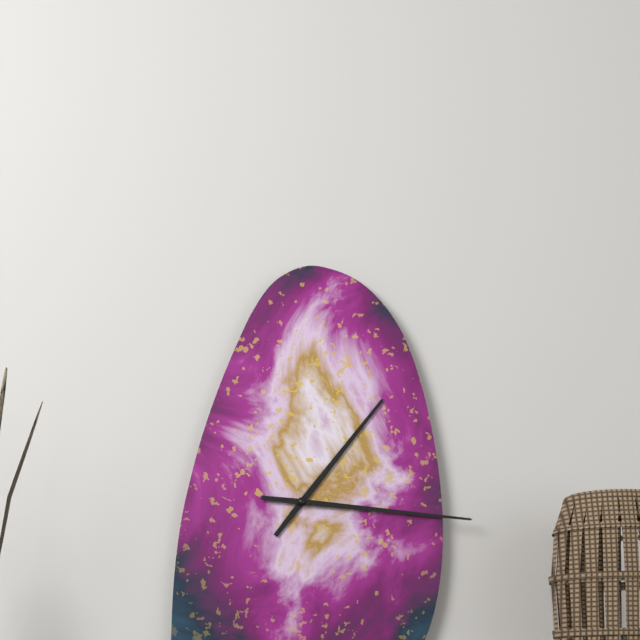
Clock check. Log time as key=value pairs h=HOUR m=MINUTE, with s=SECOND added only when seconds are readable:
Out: h=1 m=16
